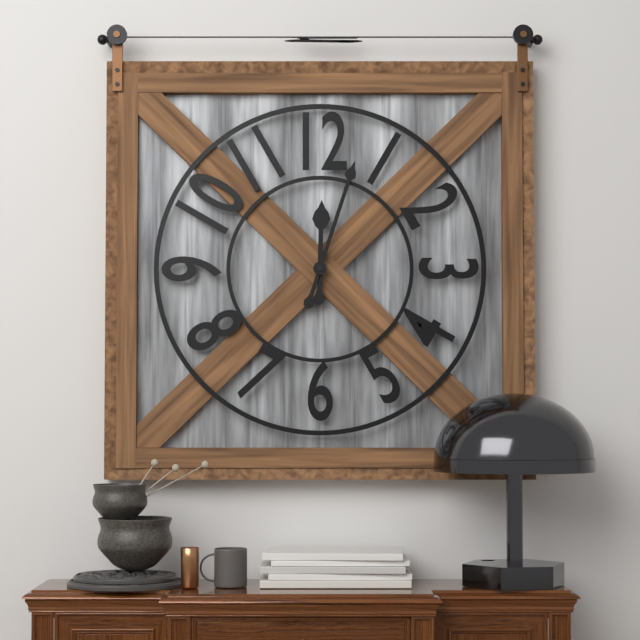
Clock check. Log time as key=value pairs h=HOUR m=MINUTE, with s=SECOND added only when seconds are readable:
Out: h=12 m=3
